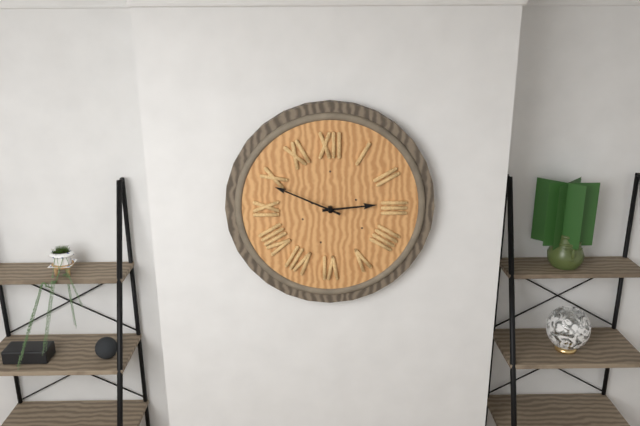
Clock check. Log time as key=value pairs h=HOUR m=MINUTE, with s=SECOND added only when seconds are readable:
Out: h=2 m=49
